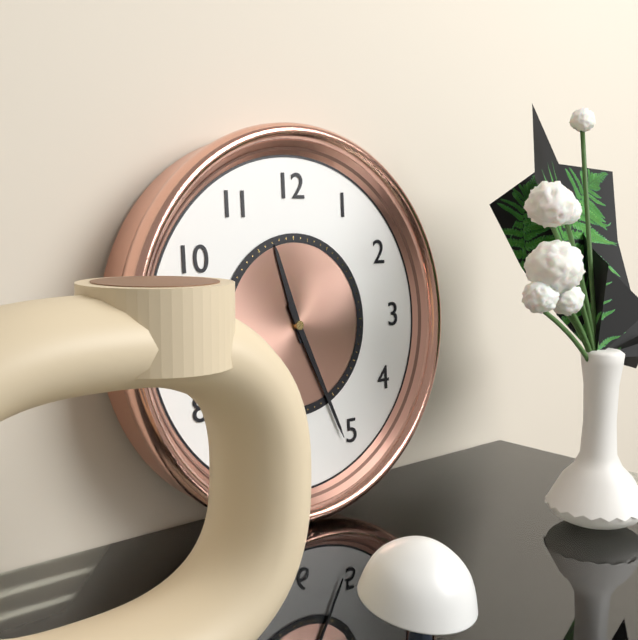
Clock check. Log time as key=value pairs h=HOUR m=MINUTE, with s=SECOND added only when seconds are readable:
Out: h=11 m=26
